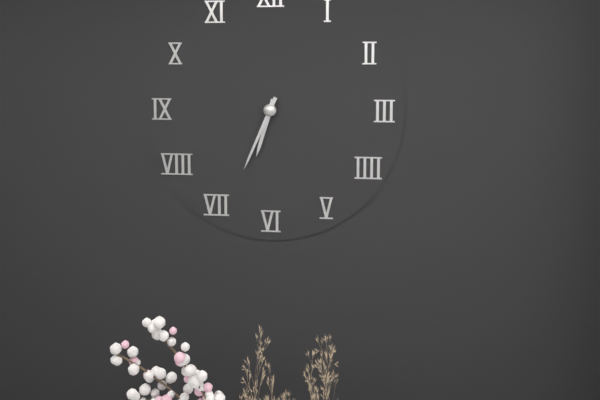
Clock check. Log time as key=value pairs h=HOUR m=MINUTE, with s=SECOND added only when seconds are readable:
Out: h=6 m=34
